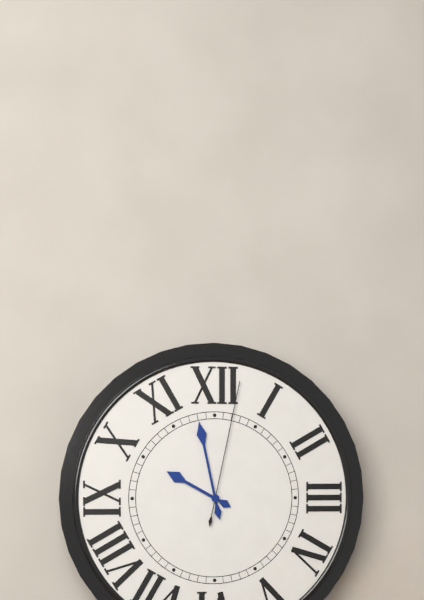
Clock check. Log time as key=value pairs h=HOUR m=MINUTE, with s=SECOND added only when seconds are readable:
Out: h=9 m=58 s=2
